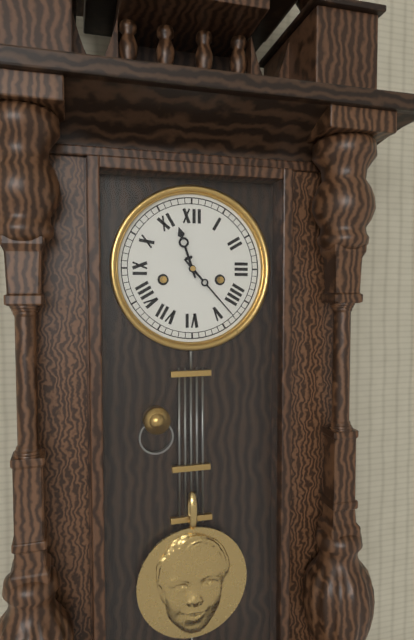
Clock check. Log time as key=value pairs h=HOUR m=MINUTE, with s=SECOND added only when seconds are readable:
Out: h=11 m=23
